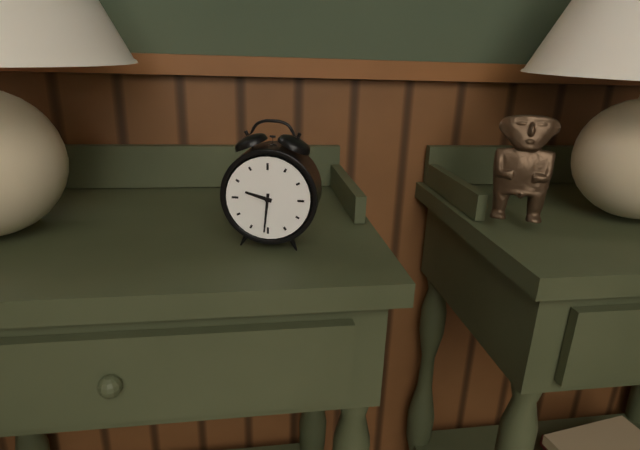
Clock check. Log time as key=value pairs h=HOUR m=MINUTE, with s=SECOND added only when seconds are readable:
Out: h=9 m=31
